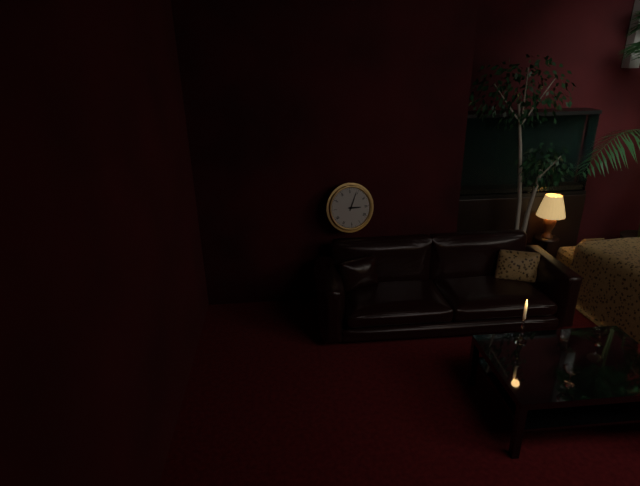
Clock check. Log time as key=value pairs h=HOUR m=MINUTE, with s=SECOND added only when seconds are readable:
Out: h=3 m=4
